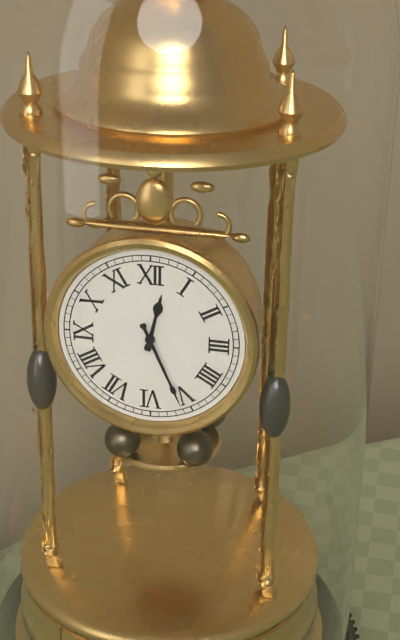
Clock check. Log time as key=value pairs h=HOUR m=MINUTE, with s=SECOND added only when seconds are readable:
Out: h=12 m=26
